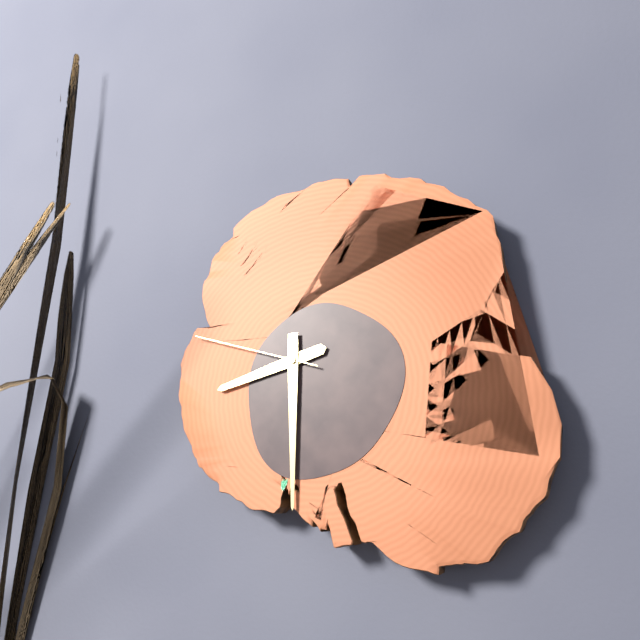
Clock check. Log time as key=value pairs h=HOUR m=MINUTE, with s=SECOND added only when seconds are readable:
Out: h=8 m=30 s=48
